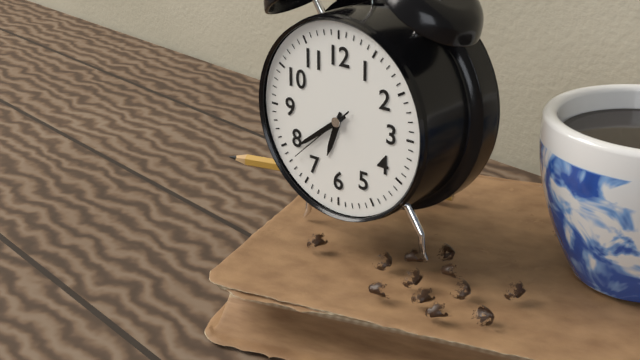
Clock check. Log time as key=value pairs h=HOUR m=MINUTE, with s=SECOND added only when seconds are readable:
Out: h=6 m=39 s=38
